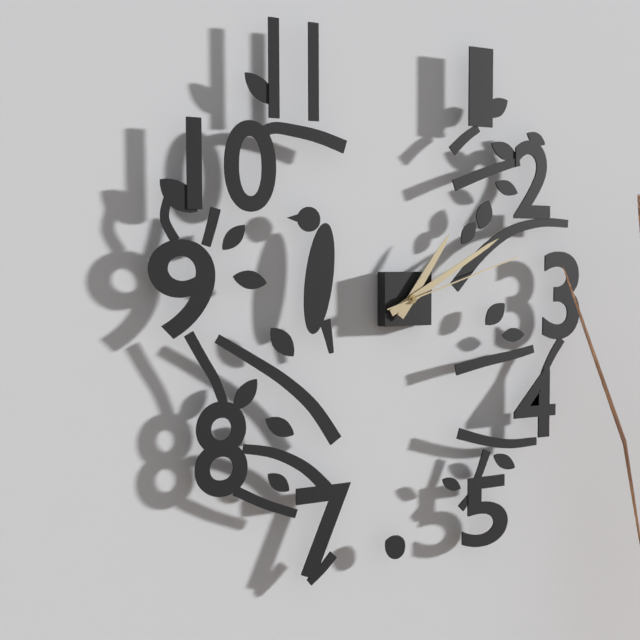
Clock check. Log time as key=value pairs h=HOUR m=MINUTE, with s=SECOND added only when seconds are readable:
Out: h=1 m=10 s=12
